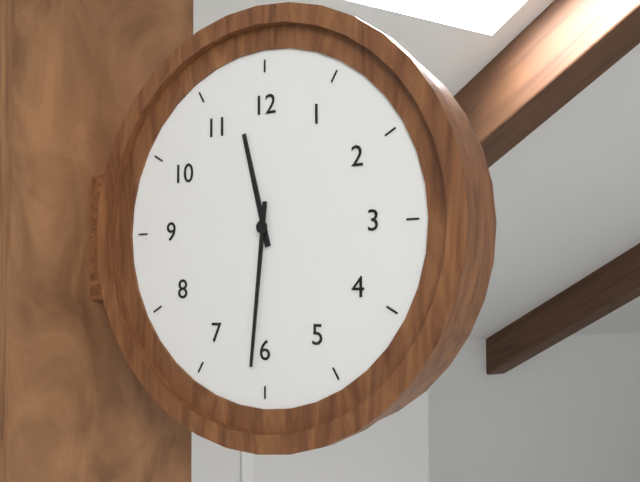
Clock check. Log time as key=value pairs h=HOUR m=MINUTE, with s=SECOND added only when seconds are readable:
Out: h=11 m=31
